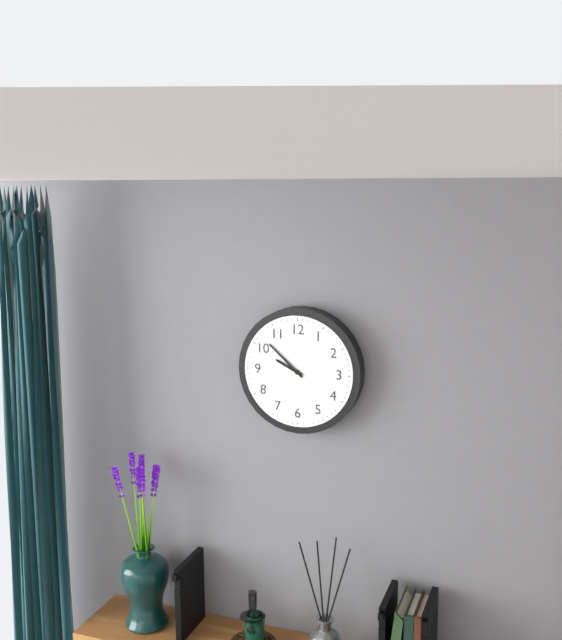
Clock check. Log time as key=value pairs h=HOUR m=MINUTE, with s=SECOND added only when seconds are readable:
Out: h=9 m=52
